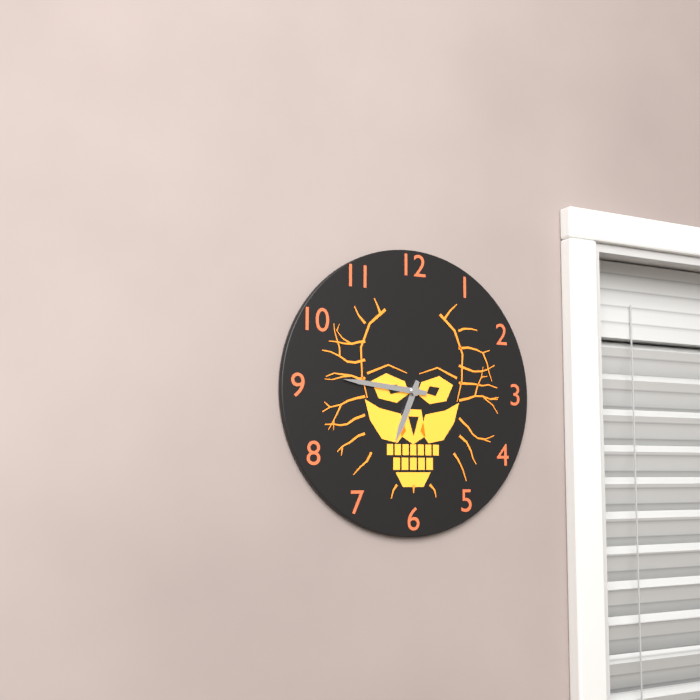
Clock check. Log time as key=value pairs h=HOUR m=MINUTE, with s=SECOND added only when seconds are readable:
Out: h=6 m=46
